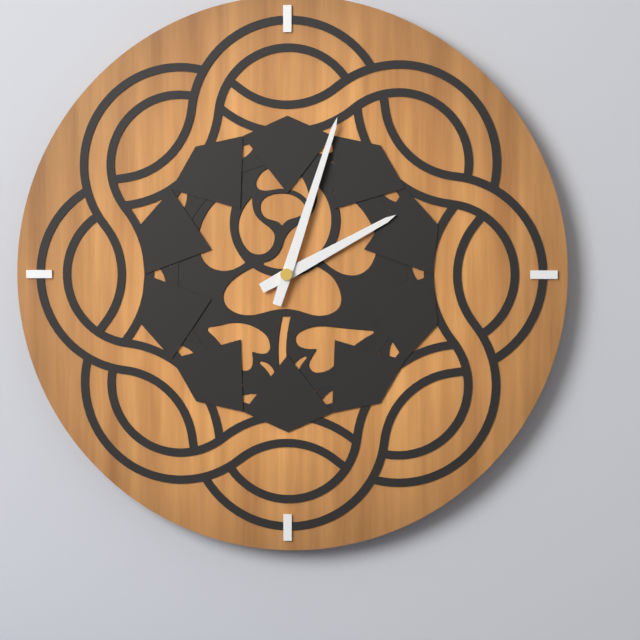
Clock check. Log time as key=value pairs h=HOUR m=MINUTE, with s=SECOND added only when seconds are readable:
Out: h=2 m=3
